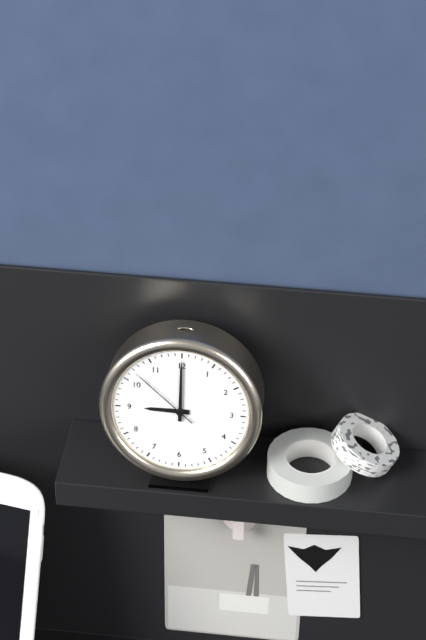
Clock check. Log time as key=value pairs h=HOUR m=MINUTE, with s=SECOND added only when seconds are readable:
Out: h=9 m=0 s=52
